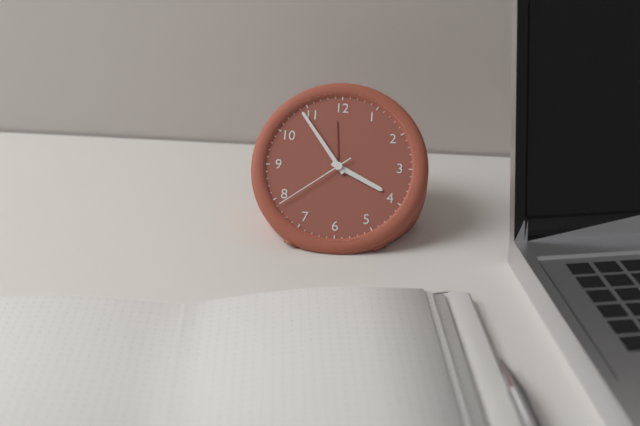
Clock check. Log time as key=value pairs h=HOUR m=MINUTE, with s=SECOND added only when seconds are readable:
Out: h=3 m=54 s=39
